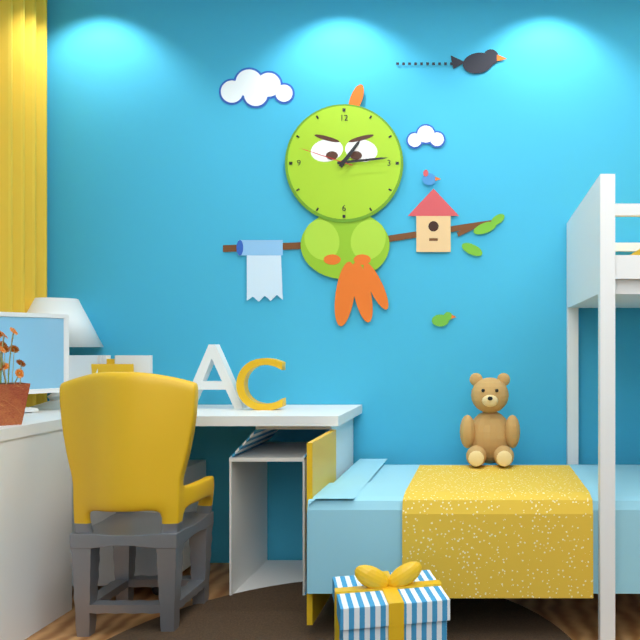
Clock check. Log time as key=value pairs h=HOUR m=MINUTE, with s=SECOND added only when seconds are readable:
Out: h=1 m=14 s=48
